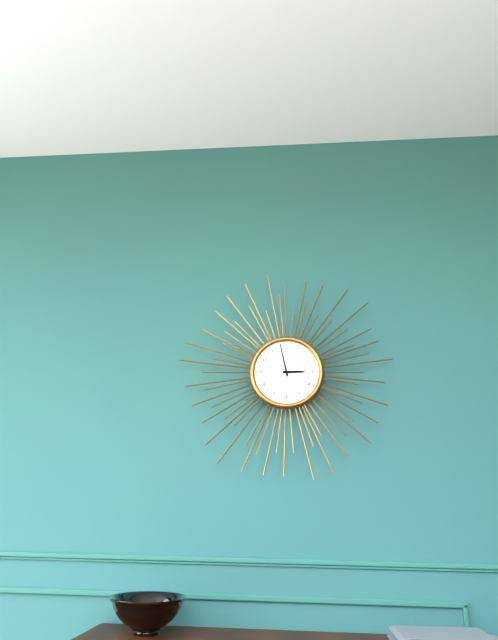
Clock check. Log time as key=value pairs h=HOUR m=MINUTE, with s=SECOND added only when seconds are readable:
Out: h=2 m=58
